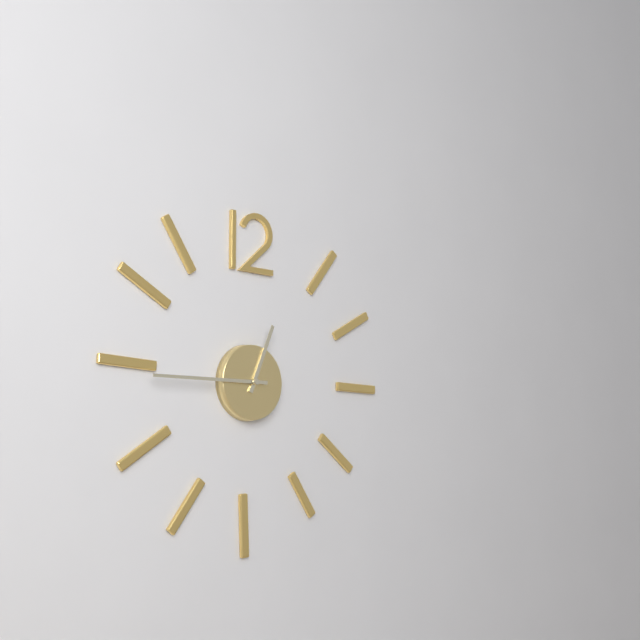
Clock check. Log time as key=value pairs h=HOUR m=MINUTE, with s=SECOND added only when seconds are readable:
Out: h=12 m=45
